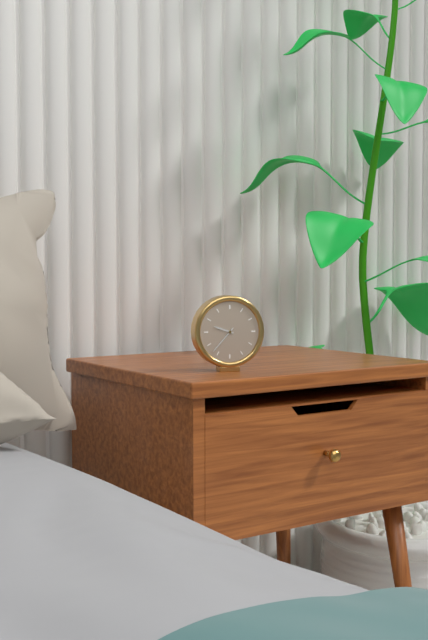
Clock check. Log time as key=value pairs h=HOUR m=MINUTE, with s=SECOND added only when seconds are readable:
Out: h=9 m=37
